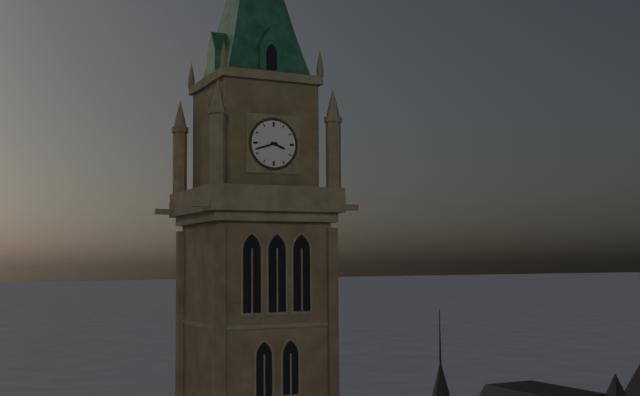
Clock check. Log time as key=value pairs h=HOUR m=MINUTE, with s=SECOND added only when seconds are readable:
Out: h=3 m=42
